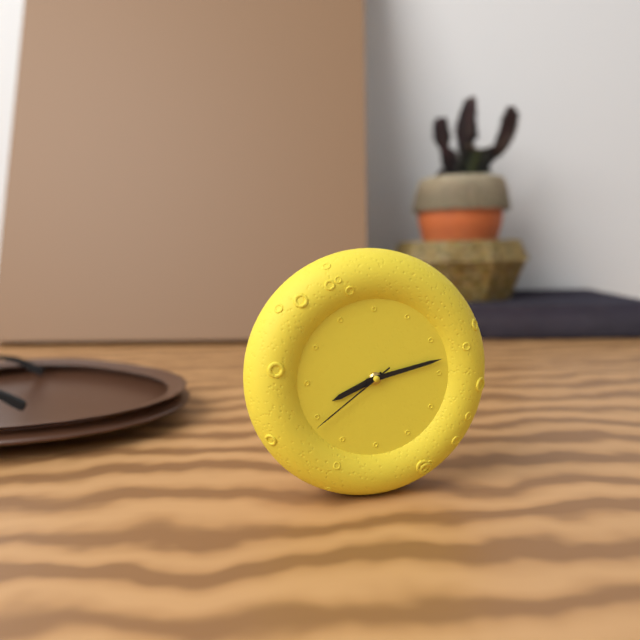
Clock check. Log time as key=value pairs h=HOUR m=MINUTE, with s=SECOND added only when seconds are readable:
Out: h=8 m=13 s=39
